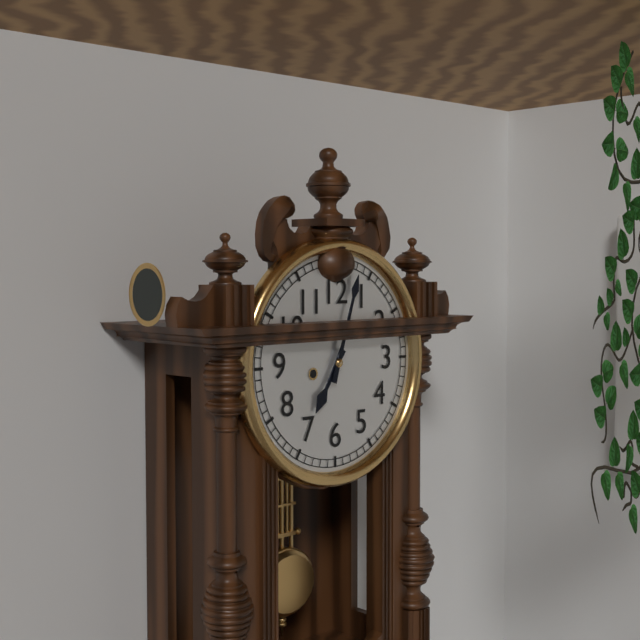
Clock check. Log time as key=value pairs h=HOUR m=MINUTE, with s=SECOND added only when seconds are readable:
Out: h=7 m=3
